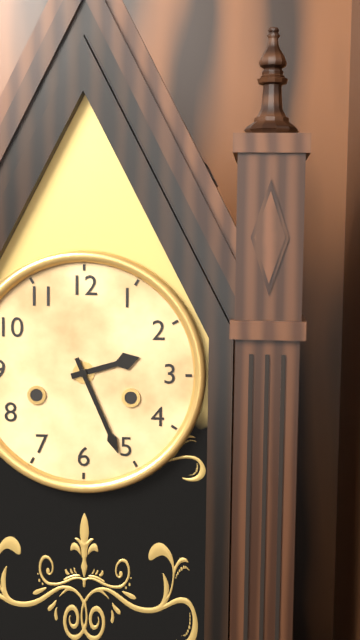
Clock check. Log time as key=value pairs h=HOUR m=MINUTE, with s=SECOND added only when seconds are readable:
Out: h=2 m=26
